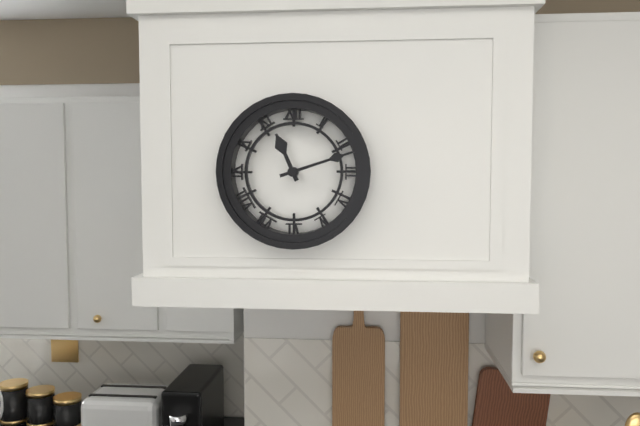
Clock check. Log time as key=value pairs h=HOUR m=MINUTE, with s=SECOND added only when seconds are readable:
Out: h=11 m=12
